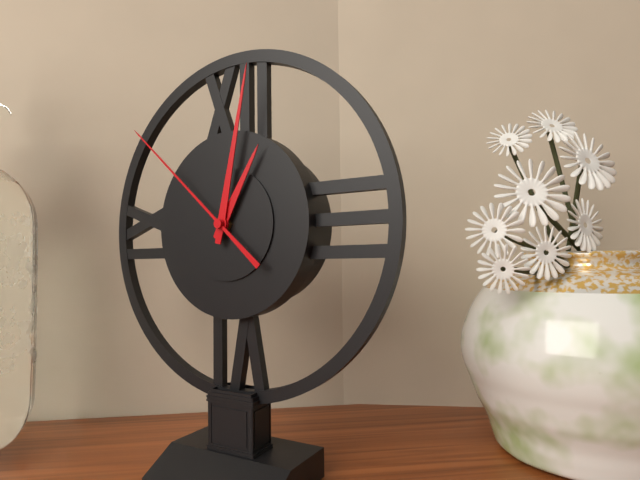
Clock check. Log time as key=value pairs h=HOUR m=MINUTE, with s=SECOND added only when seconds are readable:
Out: h=1 m=2 s=52
